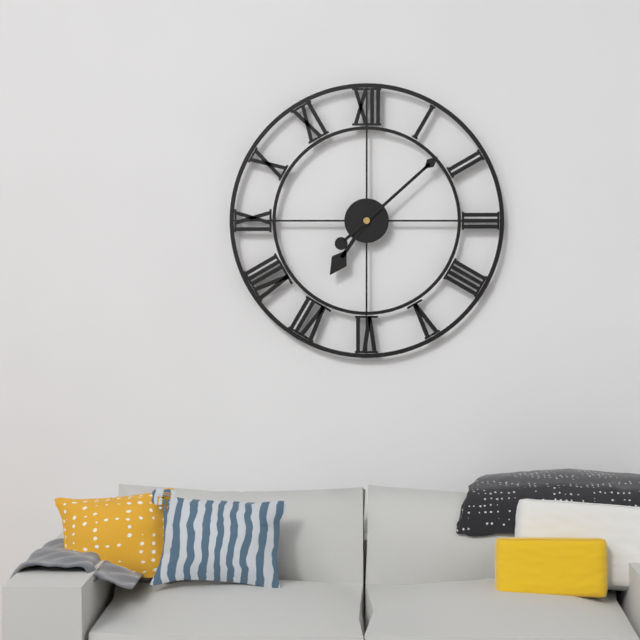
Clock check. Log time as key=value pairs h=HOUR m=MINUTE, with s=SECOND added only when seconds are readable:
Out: h=7 m=8
